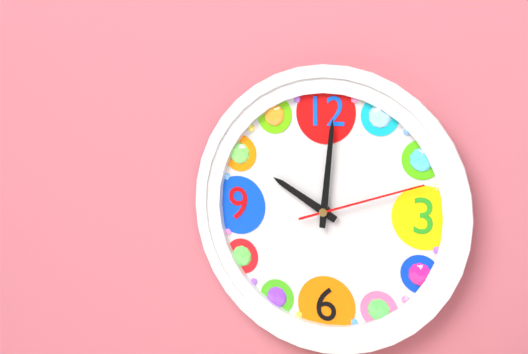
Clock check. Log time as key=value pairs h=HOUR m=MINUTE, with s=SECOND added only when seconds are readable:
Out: h=10 m=1 s=12
